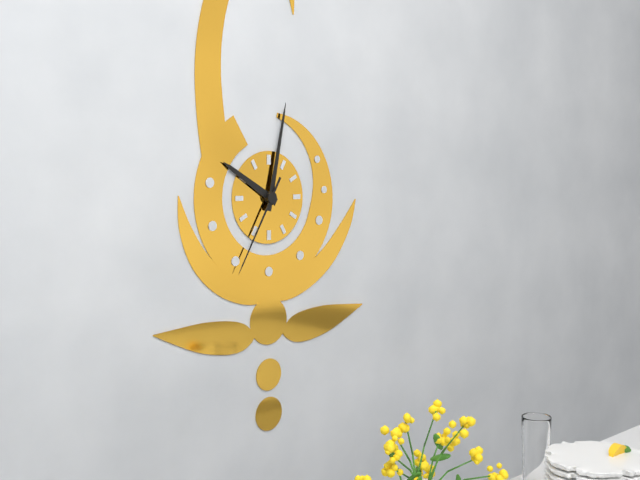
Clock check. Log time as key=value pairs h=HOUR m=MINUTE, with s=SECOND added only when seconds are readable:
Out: h=10 m=2 s=35
